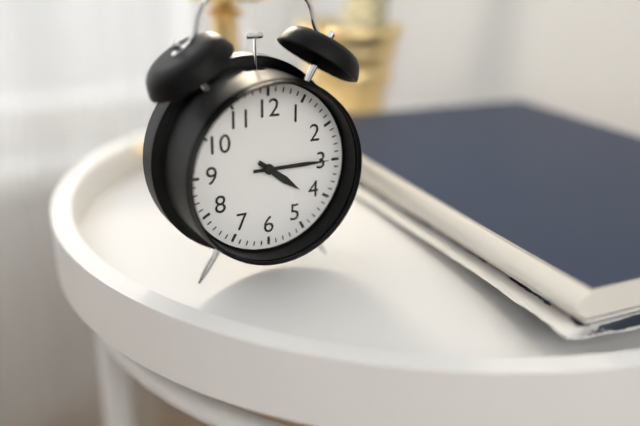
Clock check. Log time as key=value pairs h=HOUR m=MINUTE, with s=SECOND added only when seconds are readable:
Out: h=4 m=15
